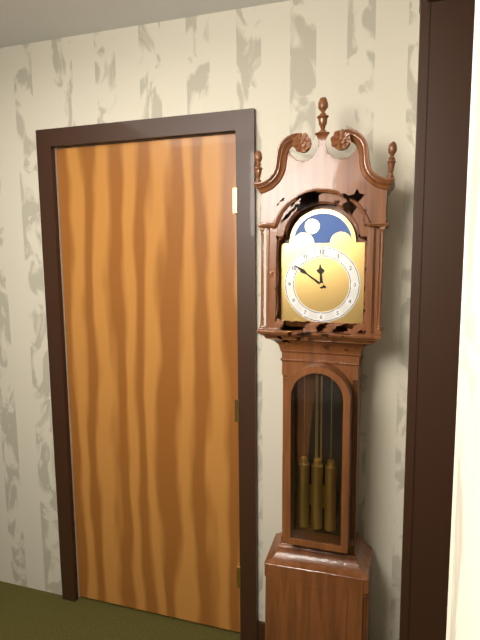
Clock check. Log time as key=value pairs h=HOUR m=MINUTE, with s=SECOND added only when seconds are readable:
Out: h=11 m=51
